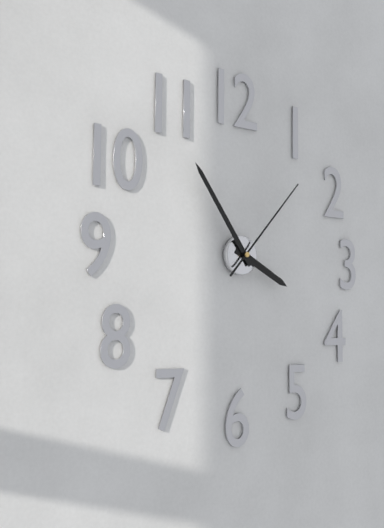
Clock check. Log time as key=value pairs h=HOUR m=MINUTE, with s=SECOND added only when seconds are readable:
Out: h=3 m=54 s=7
